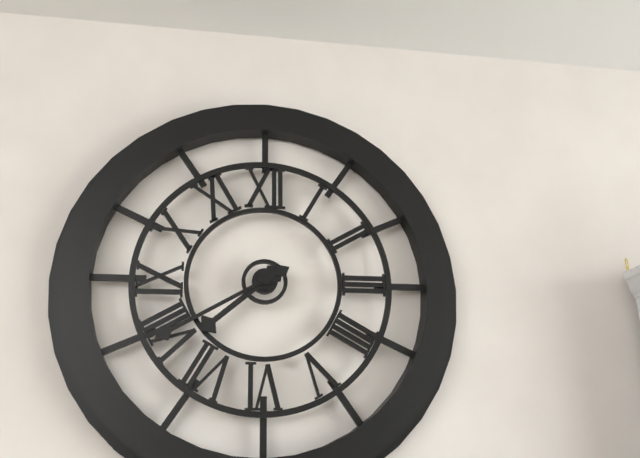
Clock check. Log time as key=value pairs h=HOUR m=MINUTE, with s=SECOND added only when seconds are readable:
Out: h=7 m=40
